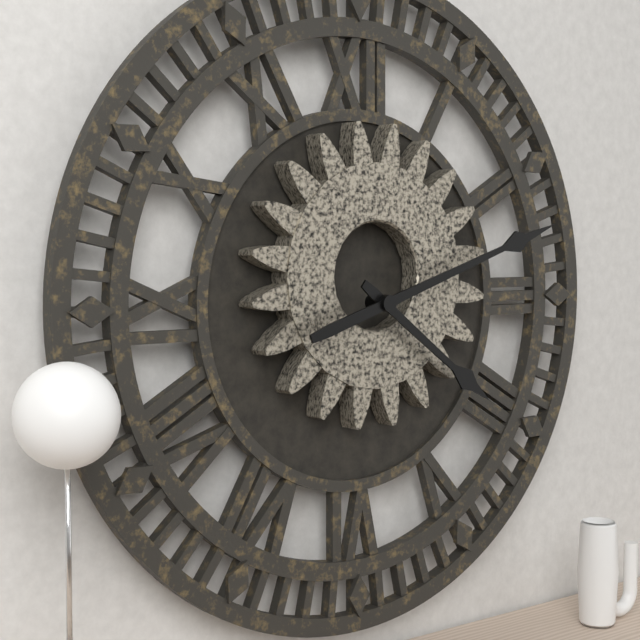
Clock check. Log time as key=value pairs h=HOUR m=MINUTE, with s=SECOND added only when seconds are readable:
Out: h=4 m=12
